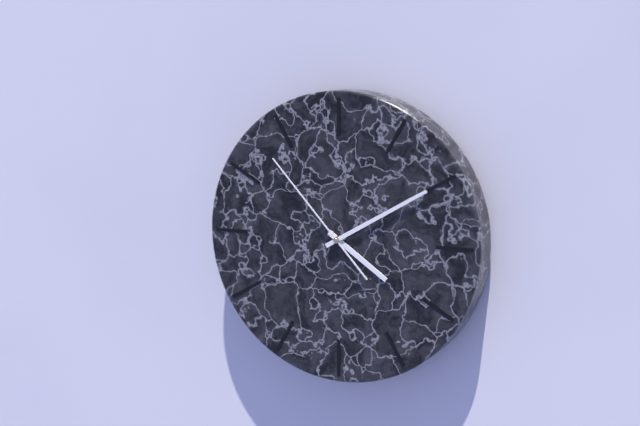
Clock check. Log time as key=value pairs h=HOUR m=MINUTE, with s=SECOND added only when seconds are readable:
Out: h=4 m=10 s=53
